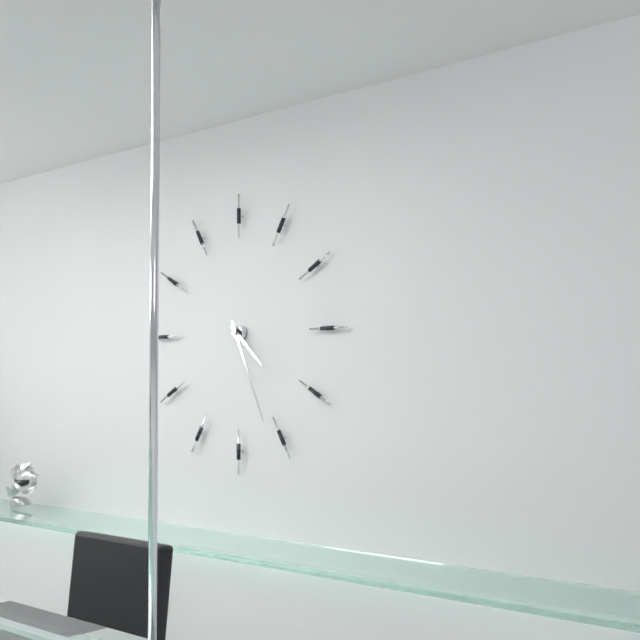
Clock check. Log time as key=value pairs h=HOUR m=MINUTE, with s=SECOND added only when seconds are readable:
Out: h=4 m=26
